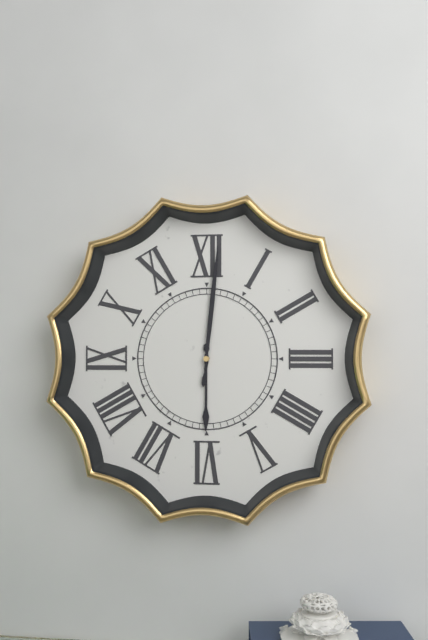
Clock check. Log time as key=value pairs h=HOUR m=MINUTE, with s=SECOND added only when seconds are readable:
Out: h=6 m=1
